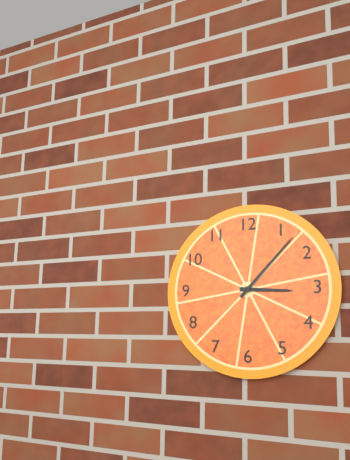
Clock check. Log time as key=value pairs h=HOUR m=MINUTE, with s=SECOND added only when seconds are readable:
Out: h=3 m=7
